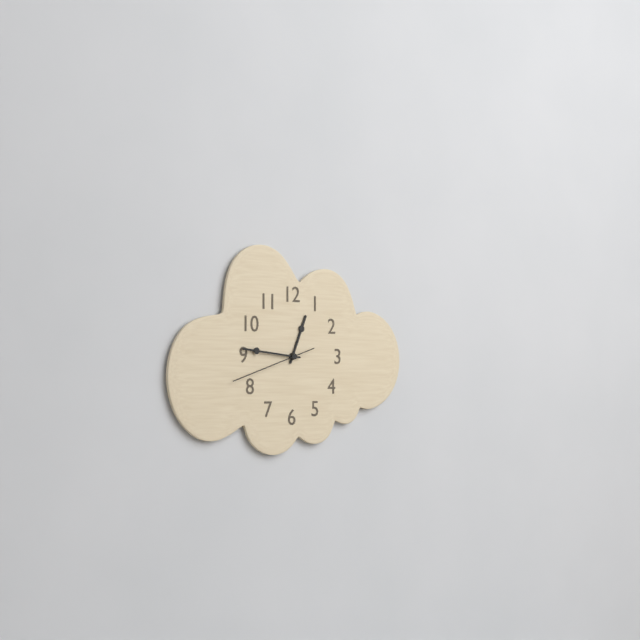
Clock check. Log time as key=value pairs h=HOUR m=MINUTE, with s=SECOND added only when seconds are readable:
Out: h=12 m=46 s=42
